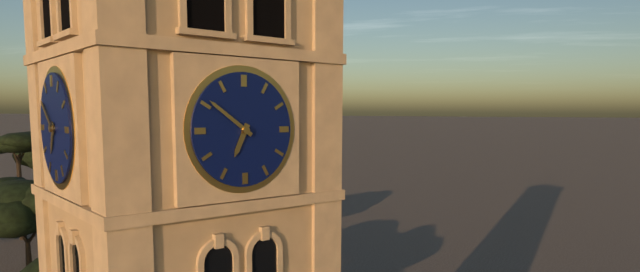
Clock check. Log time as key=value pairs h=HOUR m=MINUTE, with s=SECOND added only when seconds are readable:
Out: h=6 m=51
